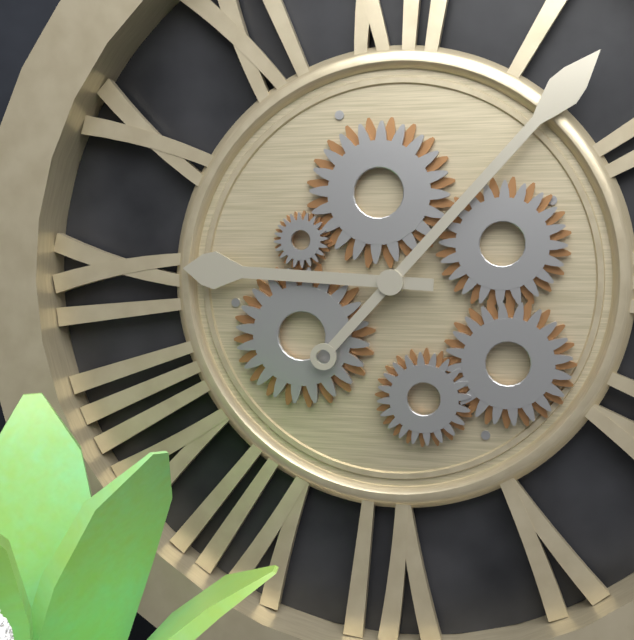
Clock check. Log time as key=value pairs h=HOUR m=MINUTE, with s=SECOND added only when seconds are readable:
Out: h=9 m=7
